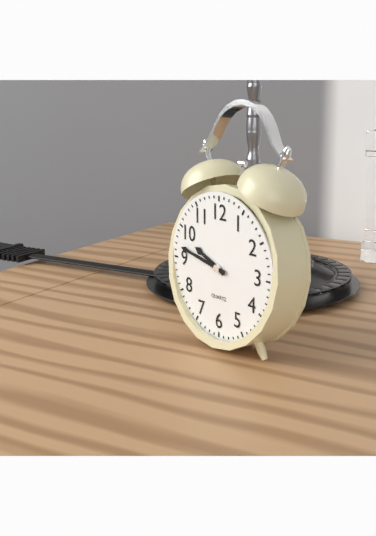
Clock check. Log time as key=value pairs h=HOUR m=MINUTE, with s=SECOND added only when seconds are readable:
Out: h=9 m=47
